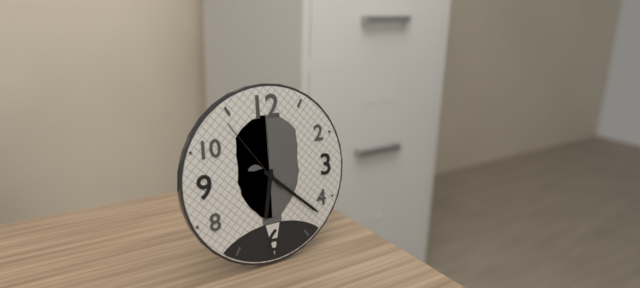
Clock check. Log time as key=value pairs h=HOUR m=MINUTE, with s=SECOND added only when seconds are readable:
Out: h=6 m=22 s=54
